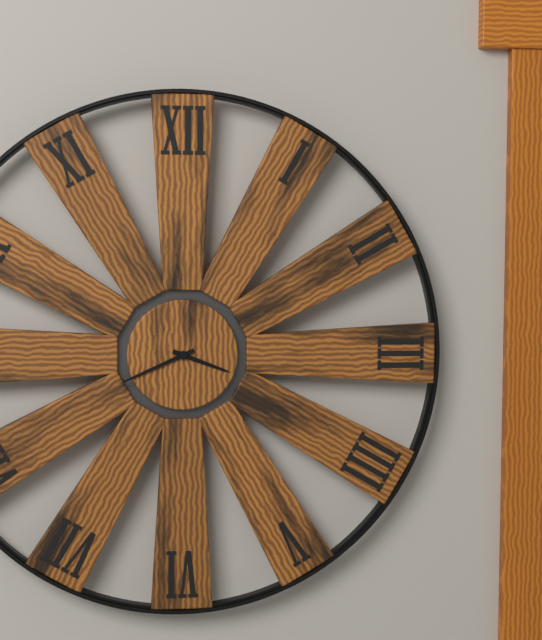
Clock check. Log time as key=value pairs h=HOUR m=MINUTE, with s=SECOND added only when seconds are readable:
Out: h=3 m=41
